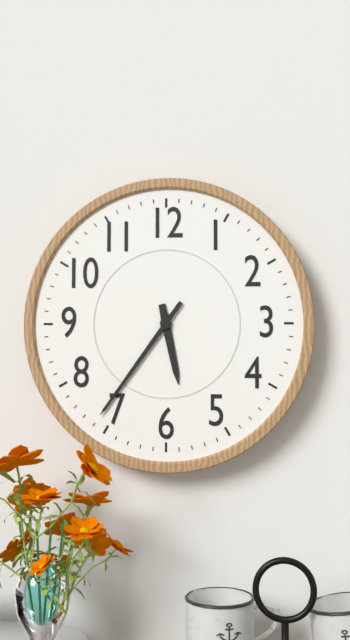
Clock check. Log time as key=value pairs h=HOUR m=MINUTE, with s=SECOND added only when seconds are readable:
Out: h=5 m=36
